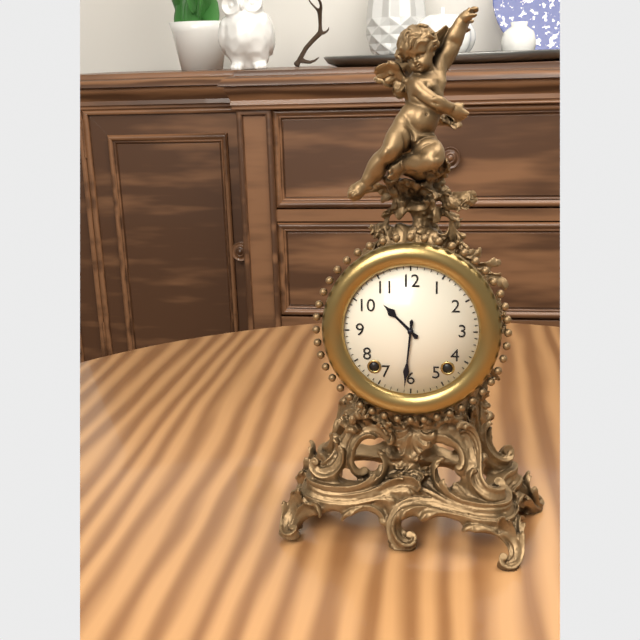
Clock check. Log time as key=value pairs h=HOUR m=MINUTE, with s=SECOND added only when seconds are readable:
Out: h=10 m=31
